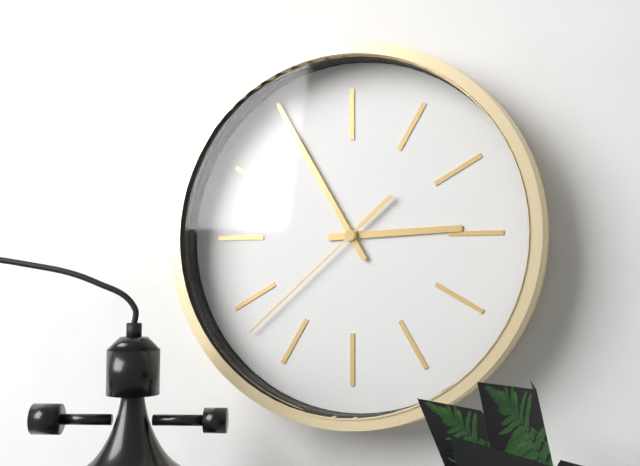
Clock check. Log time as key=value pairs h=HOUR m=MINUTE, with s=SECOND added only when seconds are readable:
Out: h=2 m=55 s=38
